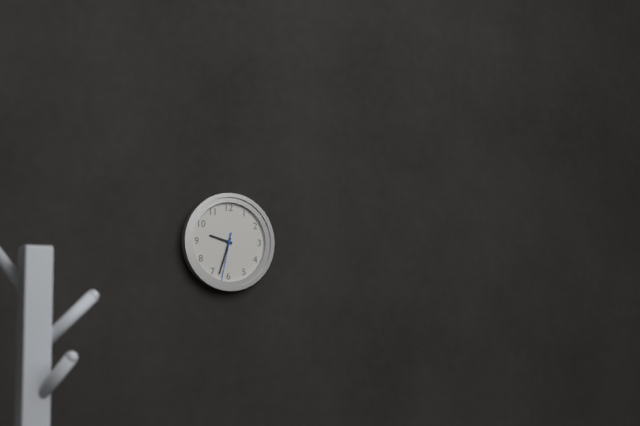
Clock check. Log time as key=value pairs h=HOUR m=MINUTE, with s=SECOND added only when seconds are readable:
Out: h=9 m=33
